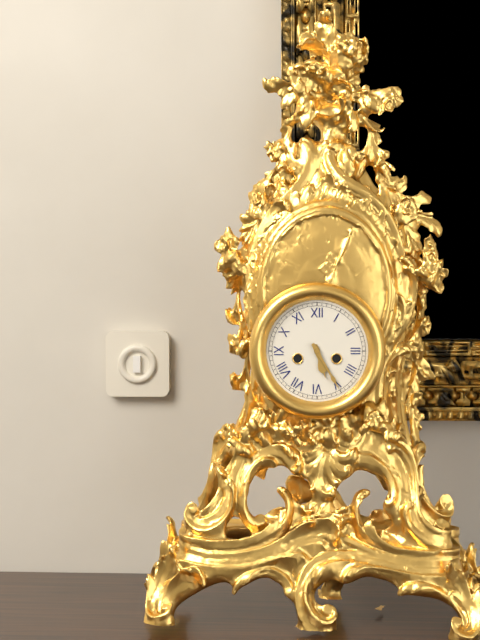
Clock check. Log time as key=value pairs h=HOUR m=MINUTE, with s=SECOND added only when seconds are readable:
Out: h=5 m=25
